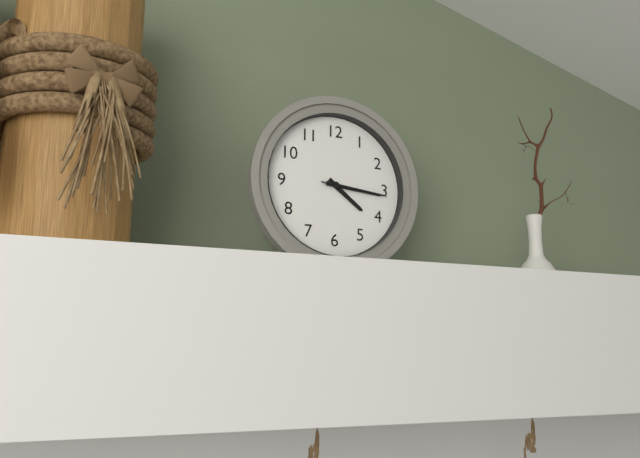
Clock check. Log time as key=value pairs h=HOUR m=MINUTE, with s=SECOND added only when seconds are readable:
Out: h=4 m=16 s=16
